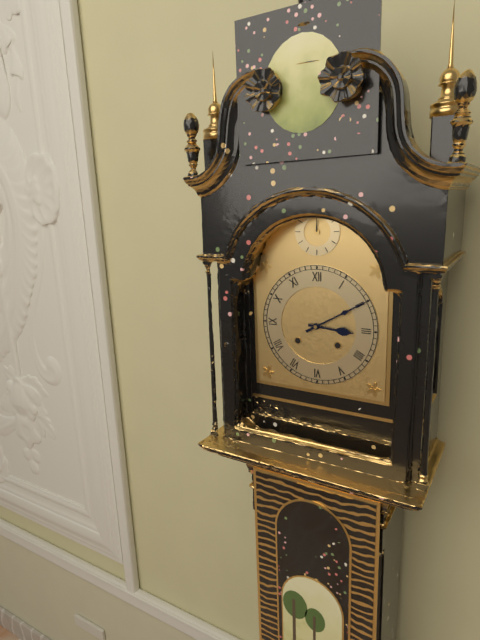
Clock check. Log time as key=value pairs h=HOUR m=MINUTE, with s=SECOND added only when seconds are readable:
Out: h=3 m=10
